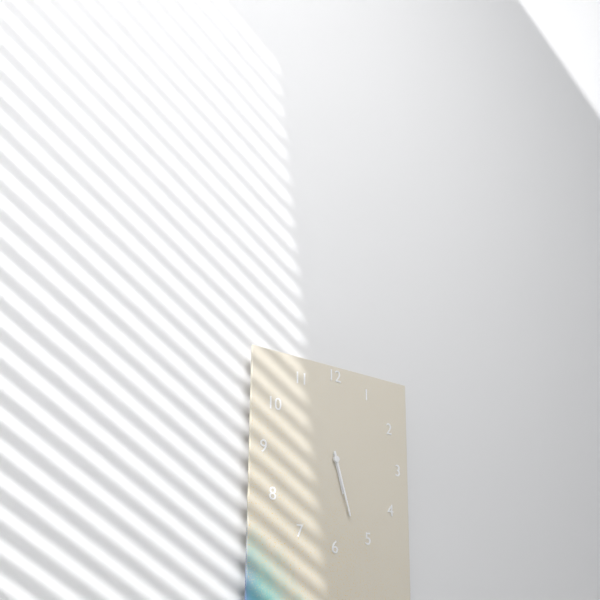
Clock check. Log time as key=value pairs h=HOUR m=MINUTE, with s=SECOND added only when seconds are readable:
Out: h=5 m=27
